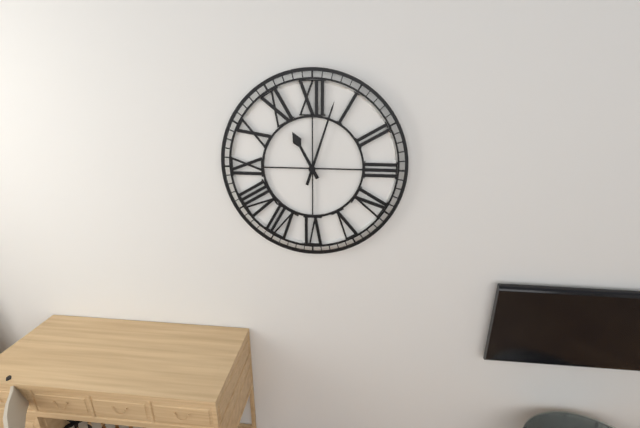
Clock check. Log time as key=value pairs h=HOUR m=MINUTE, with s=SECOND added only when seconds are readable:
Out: h=11 m=3
